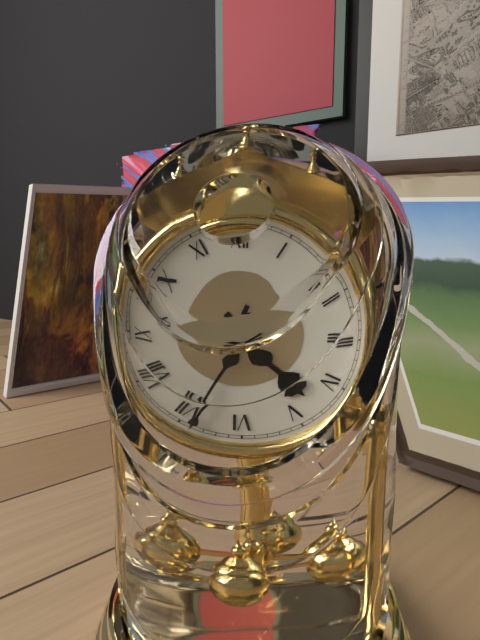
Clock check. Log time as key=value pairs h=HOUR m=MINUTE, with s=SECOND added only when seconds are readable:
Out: h=4 m=34
